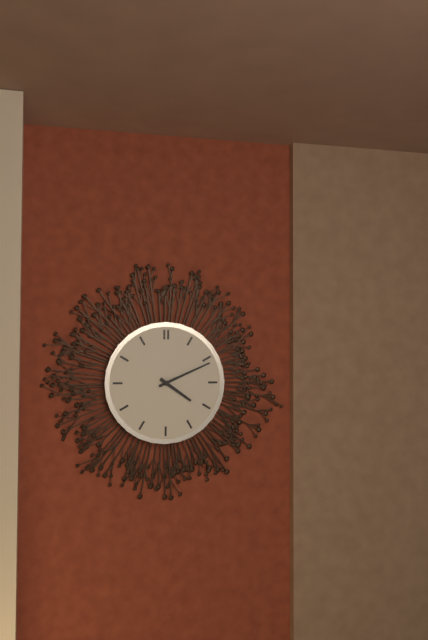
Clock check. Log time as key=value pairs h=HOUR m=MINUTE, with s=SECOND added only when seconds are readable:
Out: h=4 m=11
